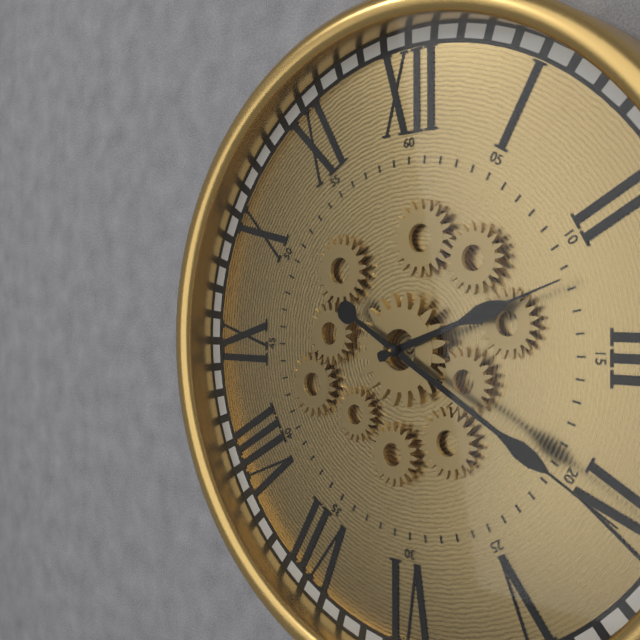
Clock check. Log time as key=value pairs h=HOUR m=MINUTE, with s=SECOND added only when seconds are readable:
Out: h=2 m=20
